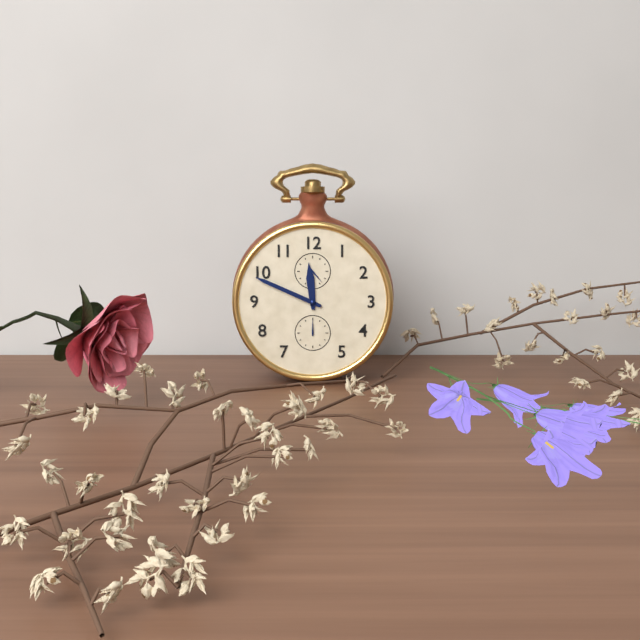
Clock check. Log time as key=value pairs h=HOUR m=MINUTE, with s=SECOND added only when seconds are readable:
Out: h=11 m=49
